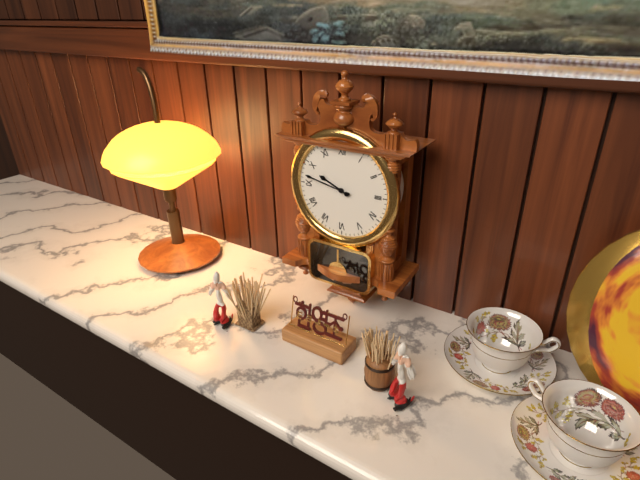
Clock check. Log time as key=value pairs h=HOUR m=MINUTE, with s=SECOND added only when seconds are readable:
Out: h=9 m=47
